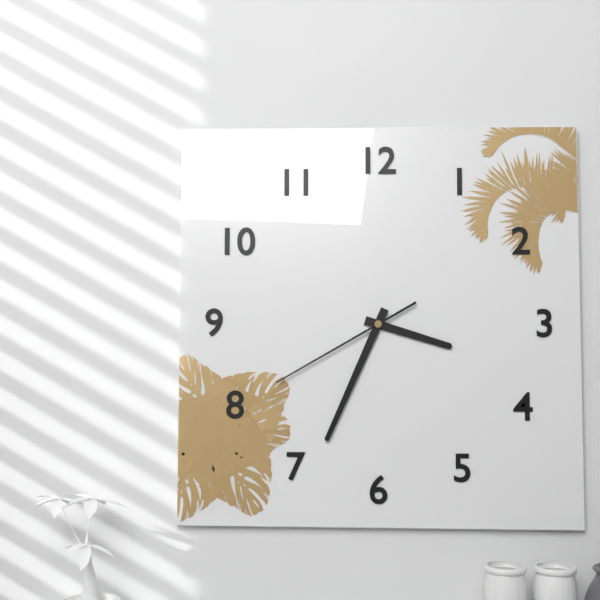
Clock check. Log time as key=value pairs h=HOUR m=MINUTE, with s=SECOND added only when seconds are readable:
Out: h=3 m=34 s=40
